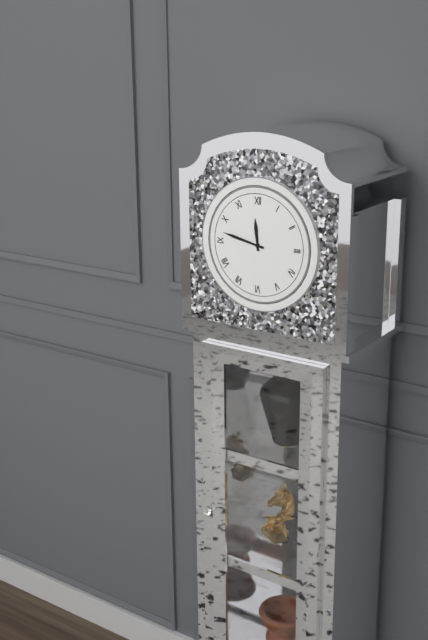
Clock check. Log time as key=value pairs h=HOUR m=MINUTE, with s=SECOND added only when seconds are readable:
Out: h=11 m=47
